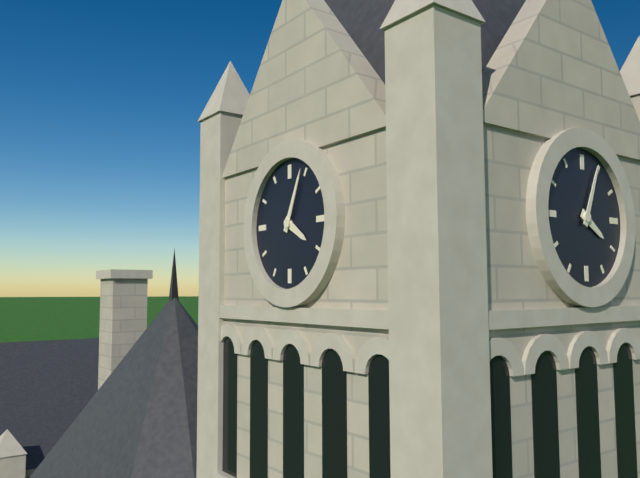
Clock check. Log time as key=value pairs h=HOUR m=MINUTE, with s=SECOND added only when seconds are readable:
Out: h=4 m=4
